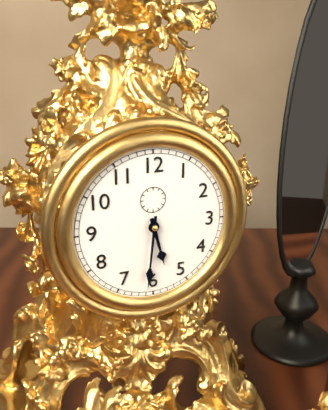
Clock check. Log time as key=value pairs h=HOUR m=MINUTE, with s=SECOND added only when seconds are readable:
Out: h=5 m=31
